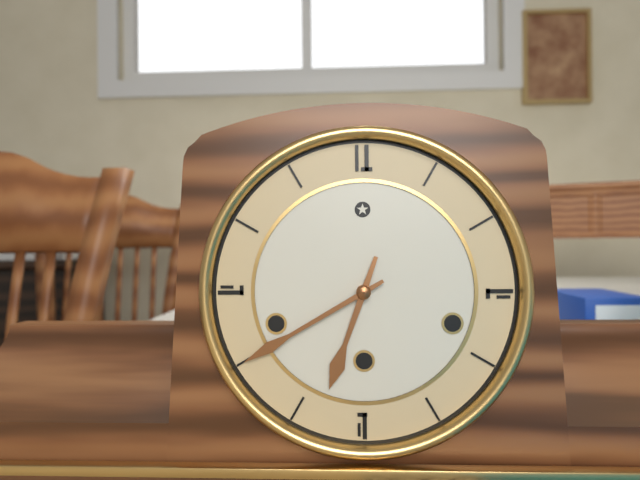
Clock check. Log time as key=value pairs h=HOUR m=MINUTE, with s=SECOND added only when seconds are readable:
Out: h=6 m=40
